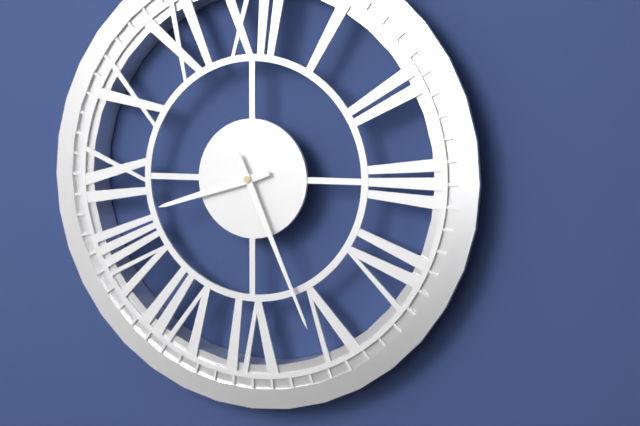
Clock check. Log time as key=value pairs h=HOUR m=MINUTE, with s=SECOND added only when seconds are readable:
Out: h=8 m=26
